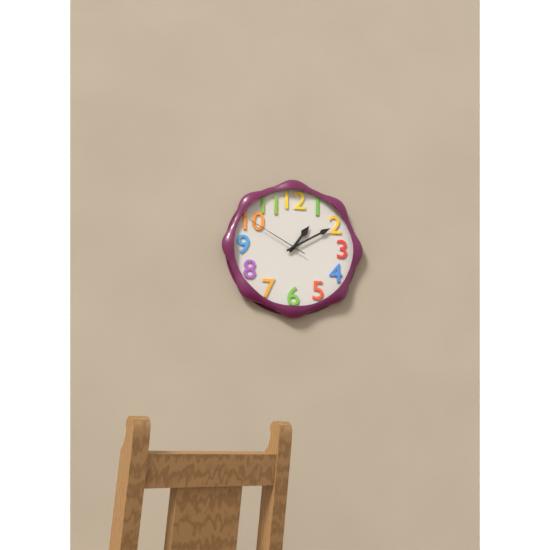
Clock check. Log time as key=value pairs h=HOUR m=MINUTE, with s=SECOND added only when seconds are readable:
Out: h=1 m=10 s=50
